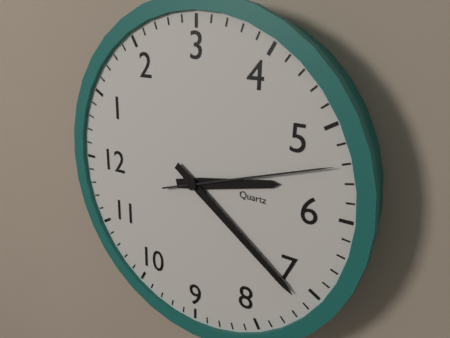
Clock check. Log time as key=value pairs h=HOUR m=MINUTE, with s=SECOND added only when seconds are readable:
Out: h=5 m=36 s=27
